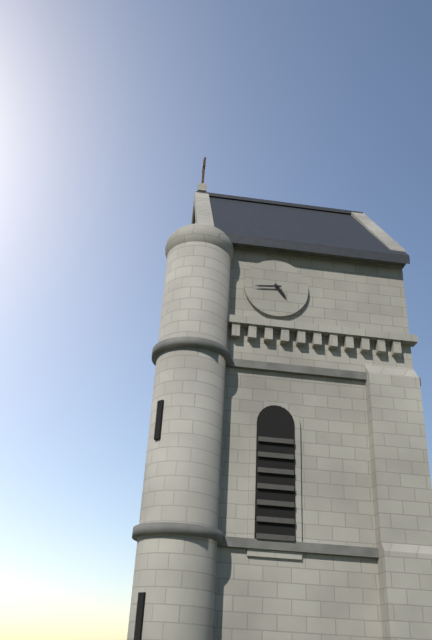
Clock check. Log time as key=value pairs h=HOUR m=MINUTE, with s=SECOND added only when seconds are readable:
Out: h=4 m=44
